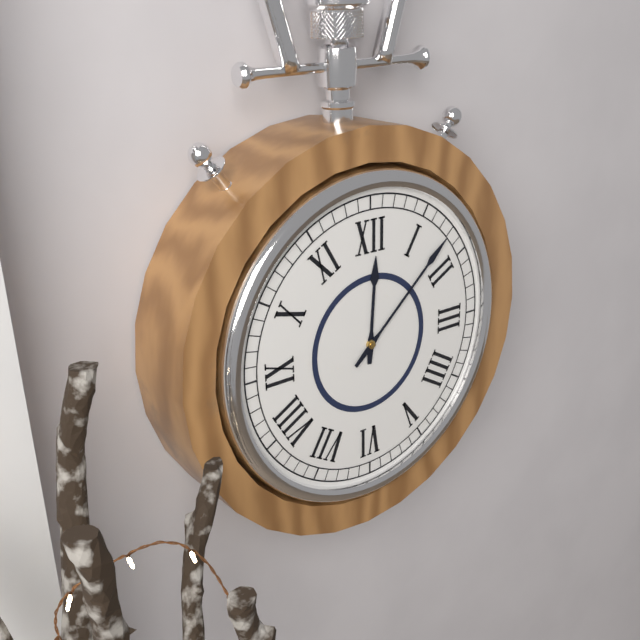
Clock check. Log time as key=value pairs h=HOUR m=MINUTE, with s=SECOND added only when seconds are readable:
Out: h=12 m=8
